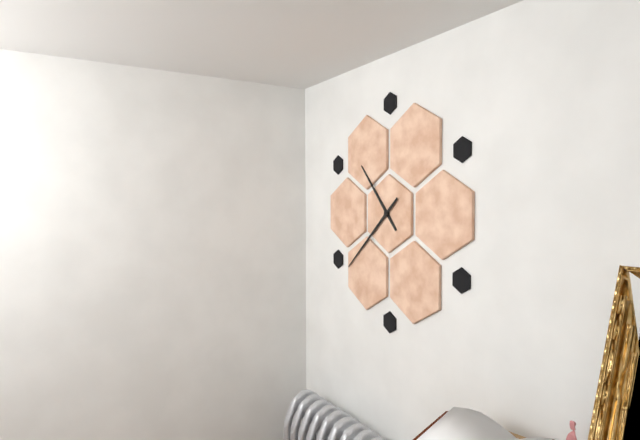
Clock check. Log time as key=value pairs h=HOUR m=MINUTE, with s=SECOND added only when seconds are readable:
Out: h=10 m=38
